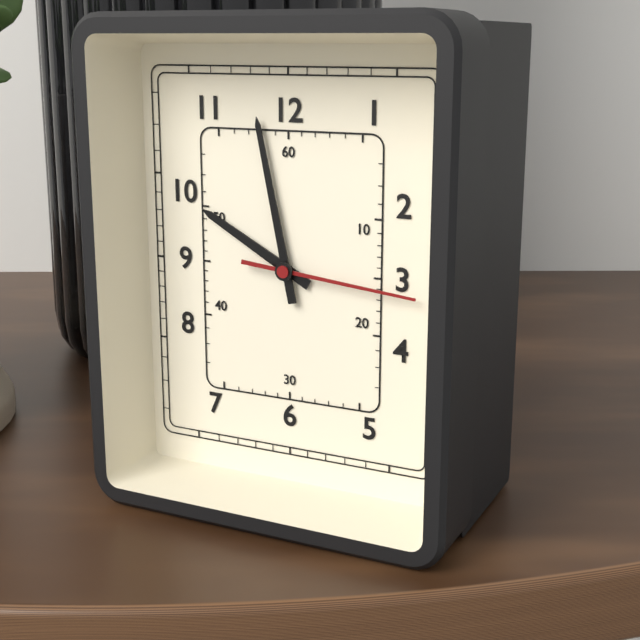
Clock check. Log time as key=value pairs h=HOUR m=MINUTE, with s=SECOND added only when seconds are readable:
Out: h=9 m=58 s=16
